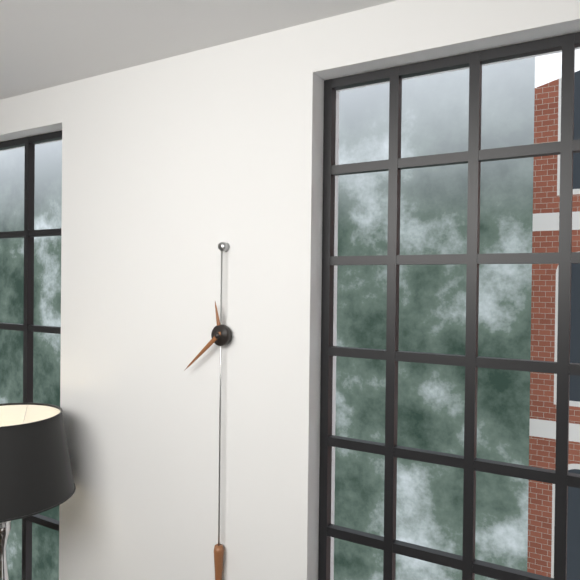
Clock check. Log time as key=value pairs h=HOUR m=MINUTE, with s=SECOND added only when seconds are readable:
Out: h=11 m=38
